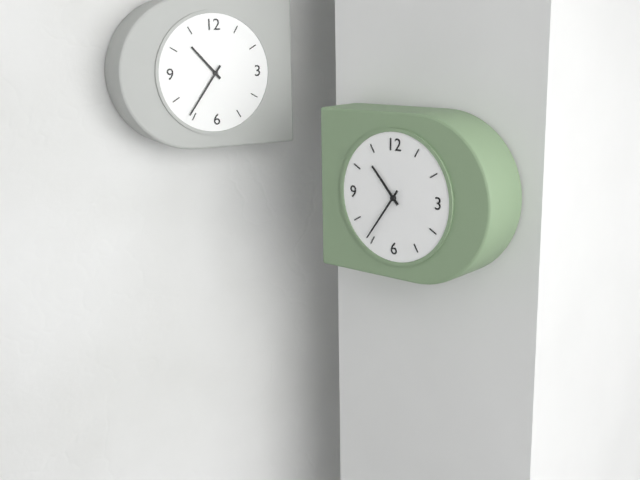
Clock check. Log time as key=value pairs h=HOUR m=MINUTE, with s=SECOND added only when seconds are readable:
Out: h=10 m=36
